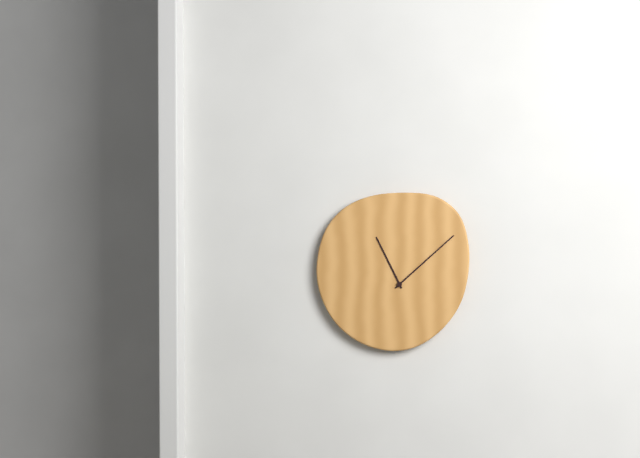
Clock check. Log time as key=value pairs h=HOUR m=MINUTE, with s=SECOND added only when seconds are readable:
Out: h=11 m=8
